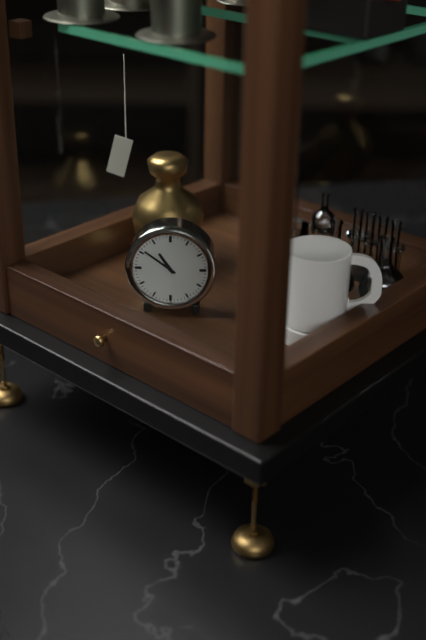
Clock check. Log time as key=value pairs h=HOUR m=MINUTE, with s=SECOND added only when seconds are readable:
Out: h=10 m=51
